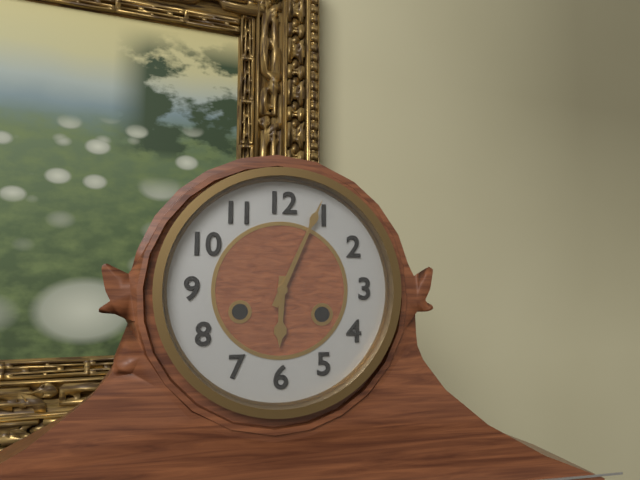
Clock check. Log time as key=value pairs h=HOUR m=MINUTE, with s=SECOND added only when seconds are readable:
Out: h=6 m=4
